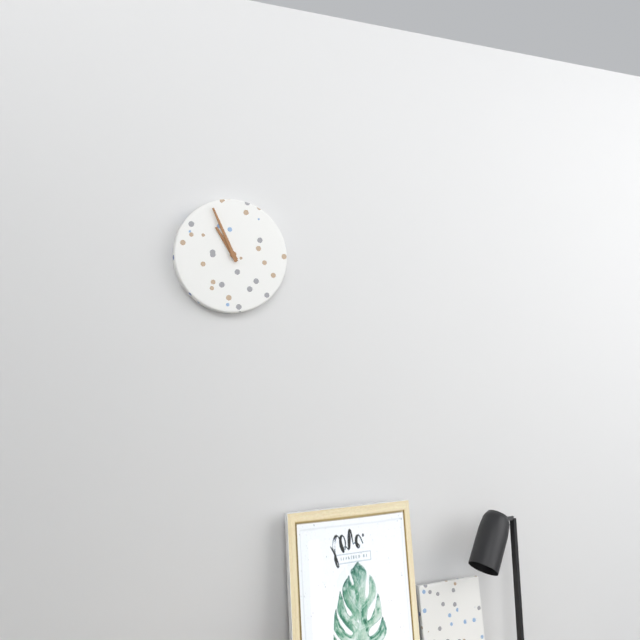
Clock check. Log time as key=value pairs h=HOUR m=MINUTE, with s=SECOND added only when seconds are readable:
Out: h=10 m=56
